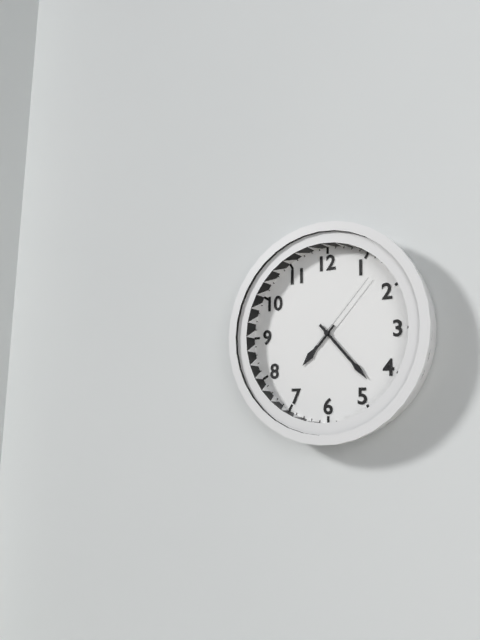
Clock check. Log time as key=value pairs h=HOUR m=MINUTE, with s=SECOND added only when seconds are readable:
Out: h=7 m=23 s=7
